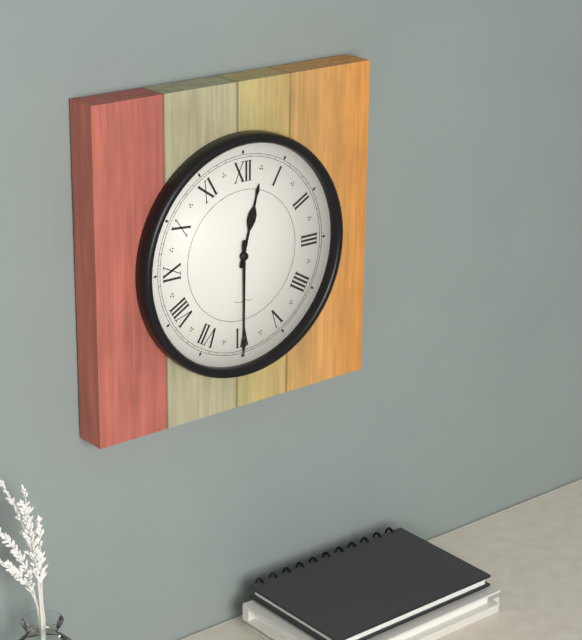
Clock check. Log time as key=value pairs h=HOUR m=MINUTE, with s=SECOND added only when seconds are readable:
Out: h=12 m=30
